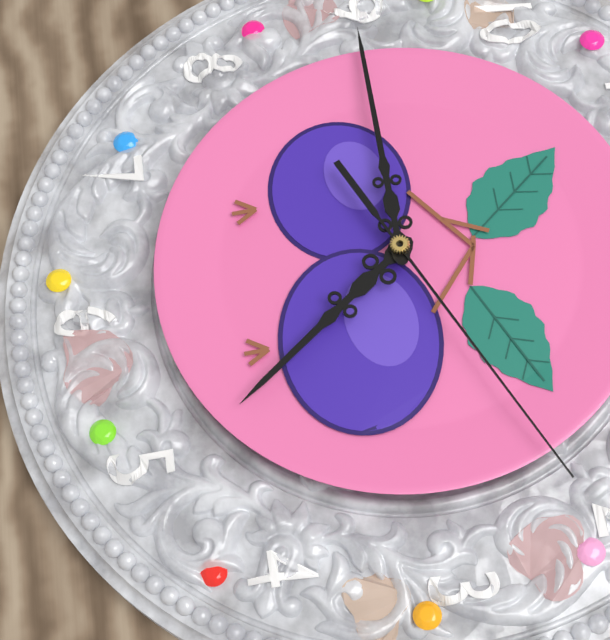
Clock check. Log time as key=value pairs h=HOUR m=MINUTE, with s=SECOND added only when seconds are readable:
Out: h=4 m=45 s=11
